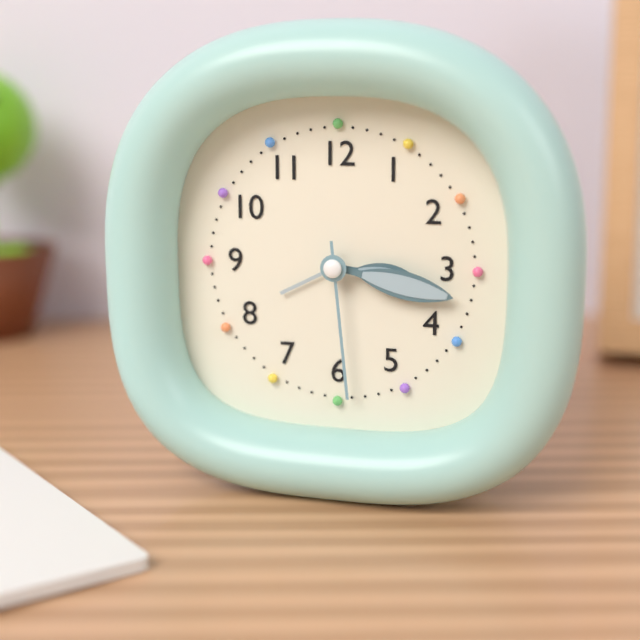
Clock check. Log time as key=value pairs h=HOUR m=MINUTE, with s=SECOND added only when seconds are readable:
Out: h=3 m=17 s=29
